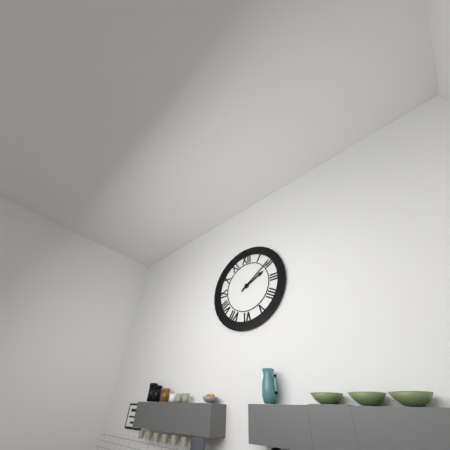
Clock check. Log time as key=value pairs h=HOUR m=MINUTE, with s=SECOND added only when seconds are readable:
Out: h=2 m=9
